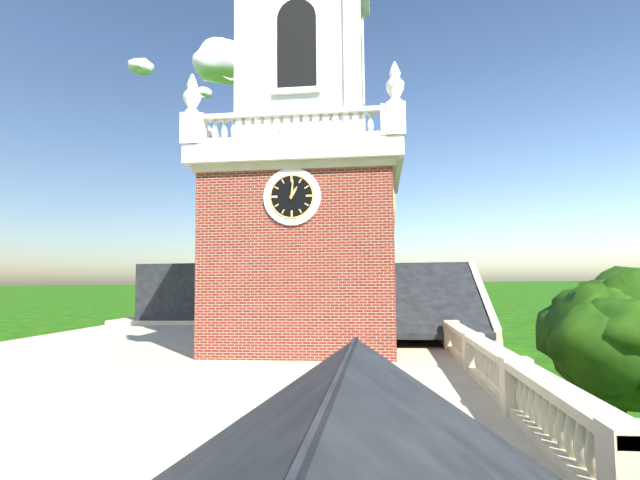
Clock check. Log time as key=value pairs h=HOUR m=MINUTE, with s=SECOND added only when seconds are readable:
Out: h=1 m=1
